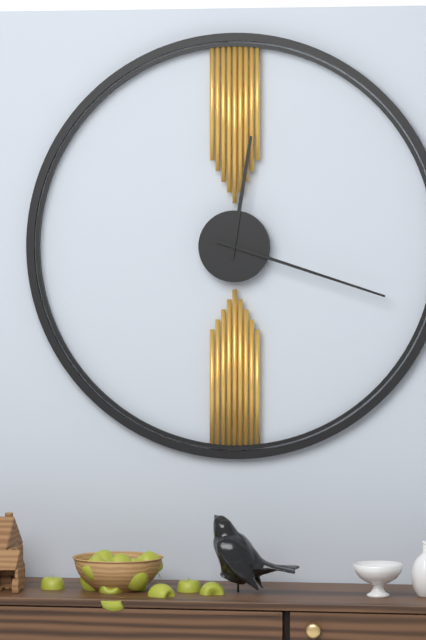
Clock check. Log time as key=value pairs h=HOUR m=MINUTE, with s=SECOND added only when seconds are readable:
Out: h=12 m=18
